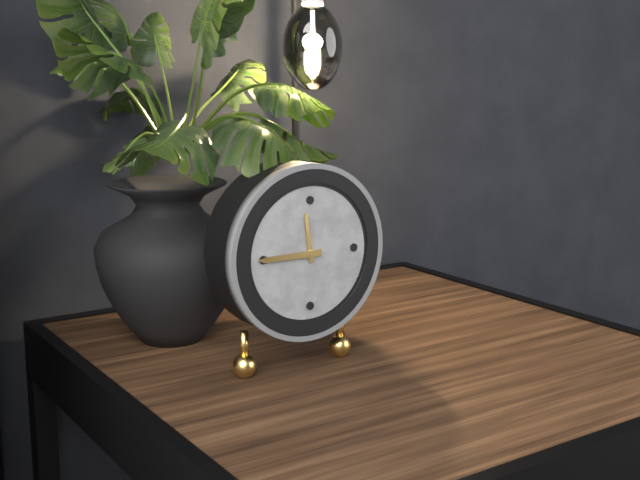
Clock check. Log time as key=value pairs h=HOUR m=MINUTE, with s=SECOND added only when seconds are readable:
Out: h=11 m=45
